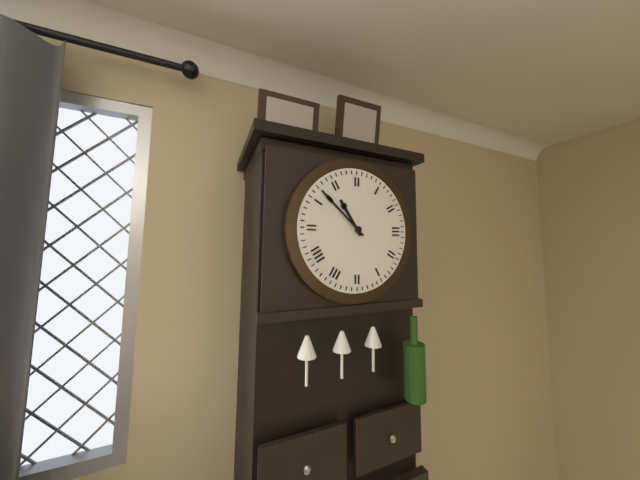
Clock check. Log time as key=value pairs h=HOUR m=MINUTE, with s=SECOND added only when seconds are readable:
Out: h=10 m=52
